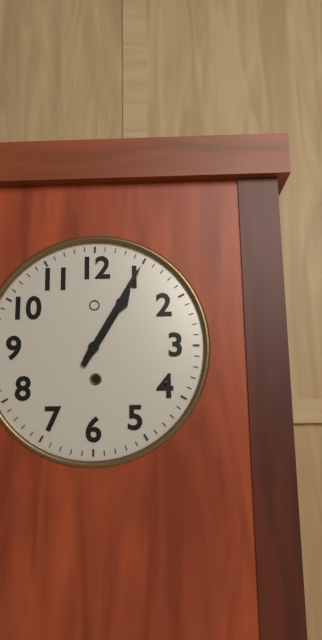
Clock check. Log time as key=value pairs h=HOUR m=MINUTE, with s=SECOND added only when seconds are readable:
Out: h=1 m=5
